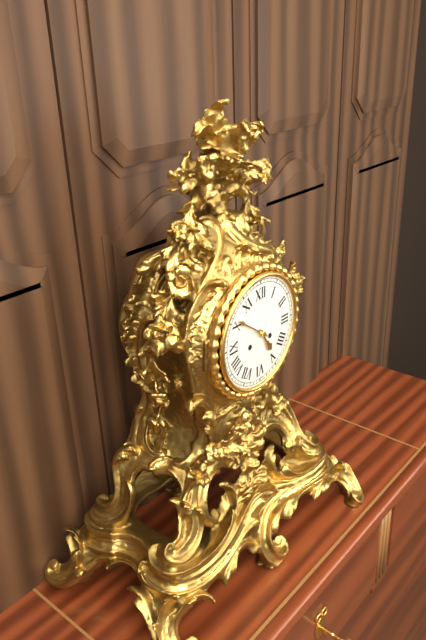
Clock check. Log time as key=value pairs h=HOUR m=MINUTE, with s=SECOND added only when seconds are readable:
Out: h=4 m=51
